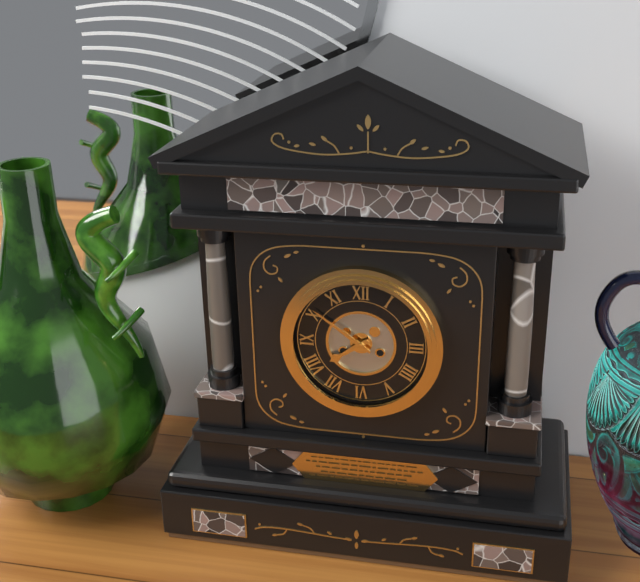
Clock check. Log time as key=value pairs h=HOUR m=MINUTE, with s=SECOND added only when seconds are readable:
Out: h=7 m=51
